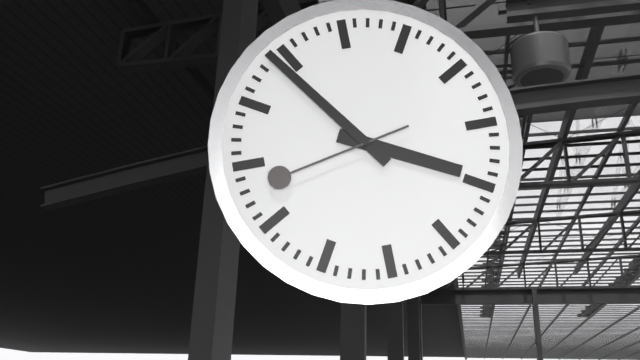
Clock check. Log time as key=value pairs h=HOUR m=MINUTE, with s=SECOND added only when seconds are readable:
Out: h=3 m=54 s=43
